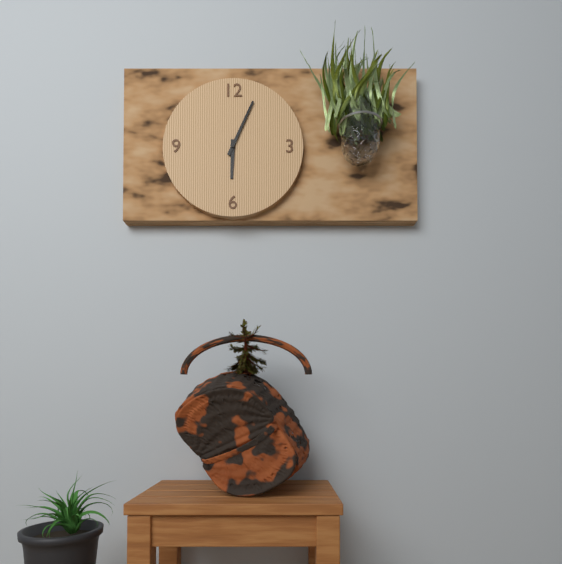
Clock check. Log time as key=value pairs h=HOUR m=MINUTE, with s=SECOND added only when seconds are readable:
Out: h=6 m=4
